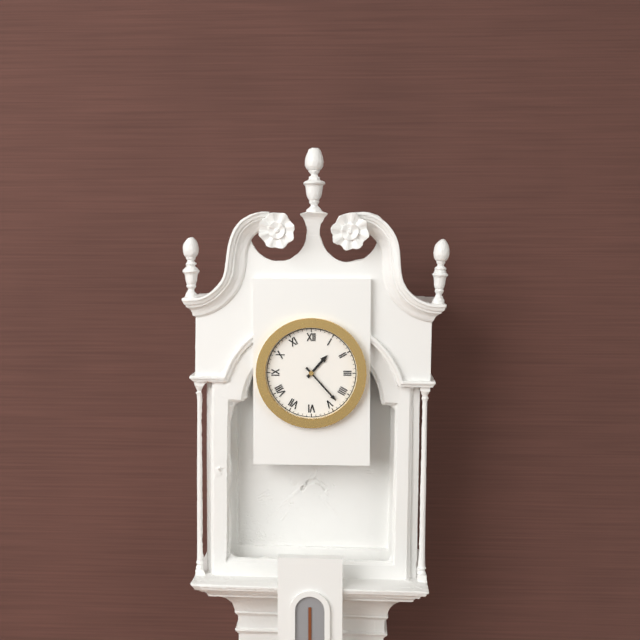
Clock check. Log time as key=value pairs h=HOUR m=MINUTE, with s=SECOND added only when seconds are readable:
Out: h=1 m=23
